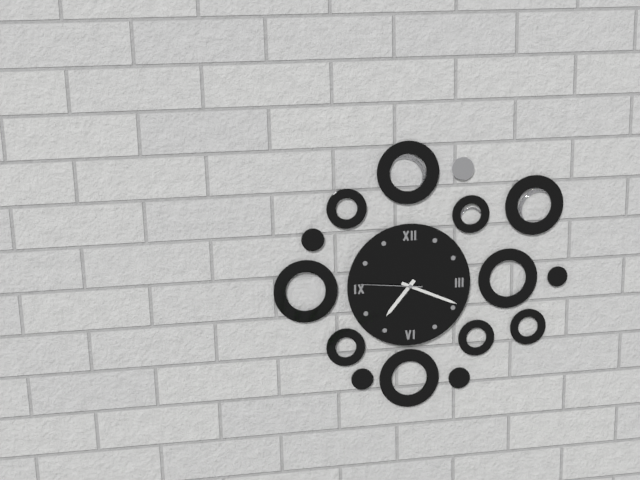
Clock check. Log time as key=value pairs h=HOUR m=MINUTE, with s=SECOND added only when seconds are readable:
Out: h=7 m=19 s=46
